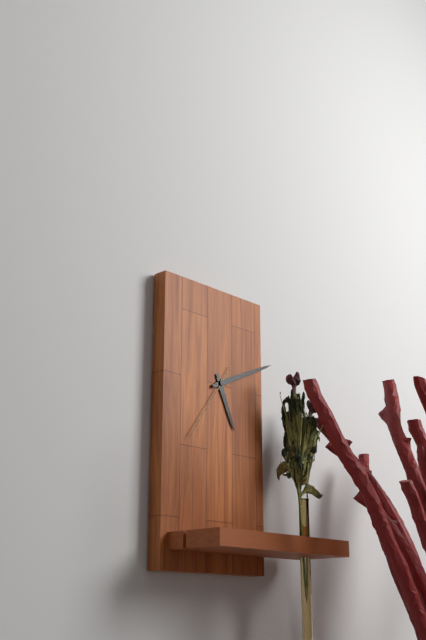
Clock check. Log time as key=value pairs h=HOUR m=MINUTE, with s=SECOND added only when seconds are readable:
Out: h=5 m=11 s=36
